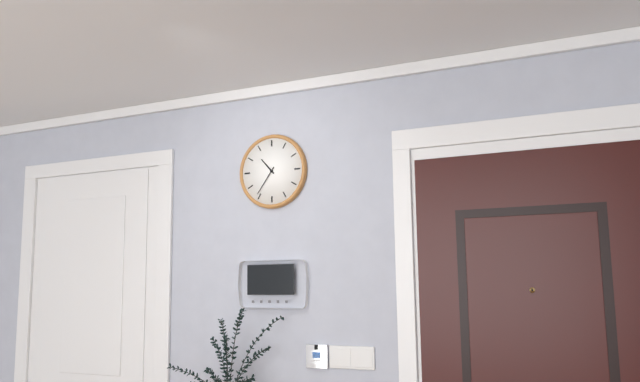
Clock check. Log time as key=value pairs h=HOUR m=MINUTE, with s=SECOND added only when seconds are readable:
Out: h=10 m=36
